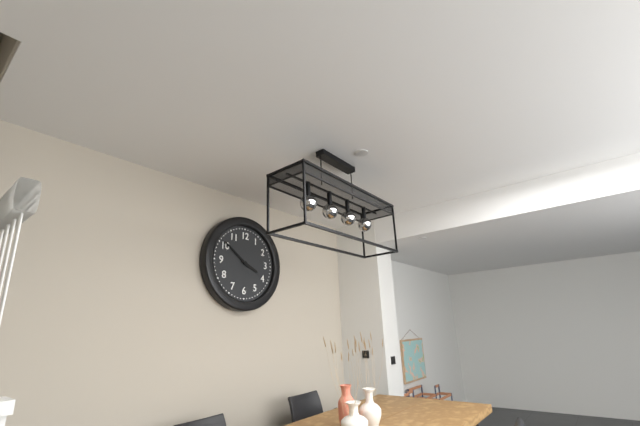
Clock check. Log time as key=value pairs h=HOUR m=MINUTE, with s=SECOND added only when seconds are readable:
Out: h=3 m=51
